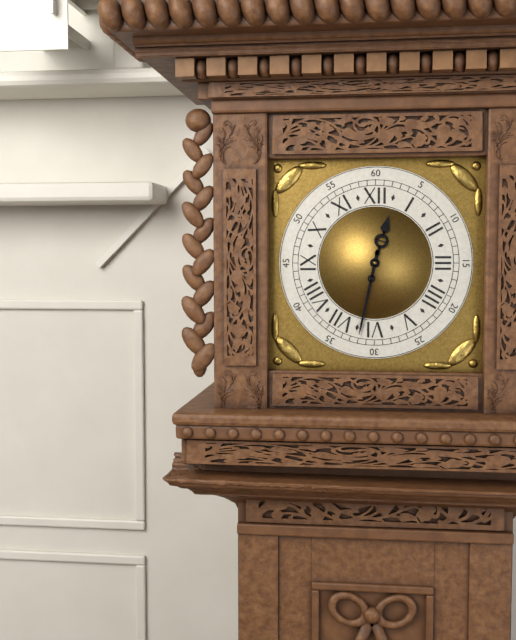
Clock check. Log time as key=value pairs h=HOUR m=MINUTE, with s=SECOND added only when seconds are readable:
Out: h=12 m=32
